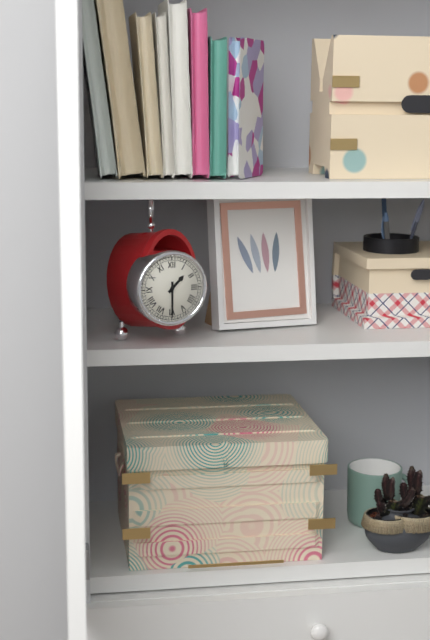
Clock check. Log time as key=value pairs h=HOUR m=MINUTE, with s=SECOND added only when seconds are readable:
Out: h=1 m=30
